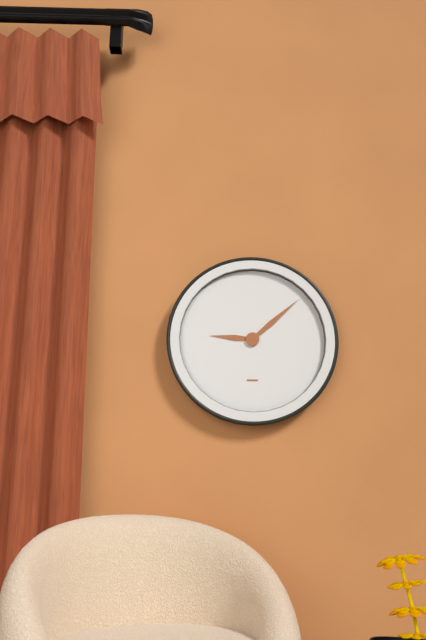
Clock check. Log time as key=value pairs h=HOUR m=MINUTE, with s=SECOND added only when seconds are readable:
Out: h=9 m=8
